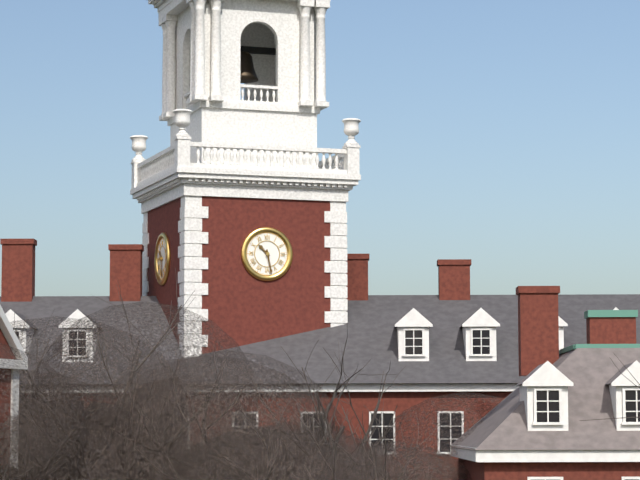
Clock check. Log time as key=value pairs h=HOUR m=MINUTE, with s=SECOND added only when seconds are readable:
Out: h=10 m=28
